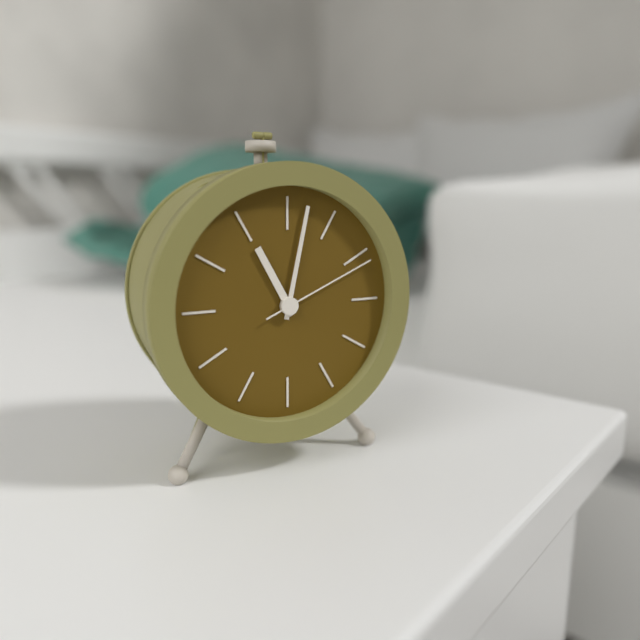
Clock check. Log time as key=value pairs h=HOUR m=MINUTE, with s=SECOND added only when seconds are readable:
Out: h=11 m=2 s=11
